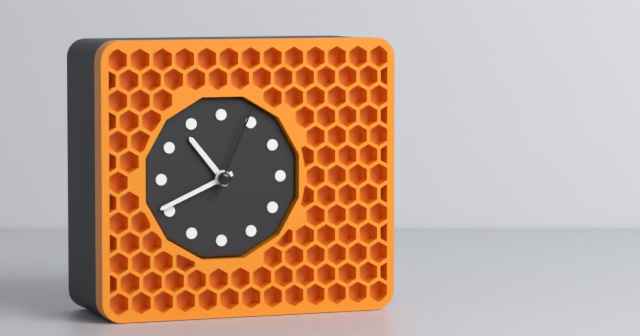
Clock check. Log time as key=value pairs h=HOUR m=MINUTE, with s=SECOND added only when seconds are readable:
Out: h=10 m=41 s=4
